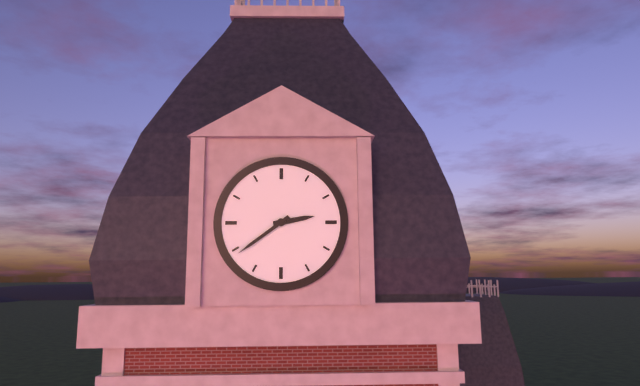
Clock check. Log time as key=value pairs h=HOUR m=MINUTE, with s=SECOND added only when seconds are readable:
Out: h=2 m=39
